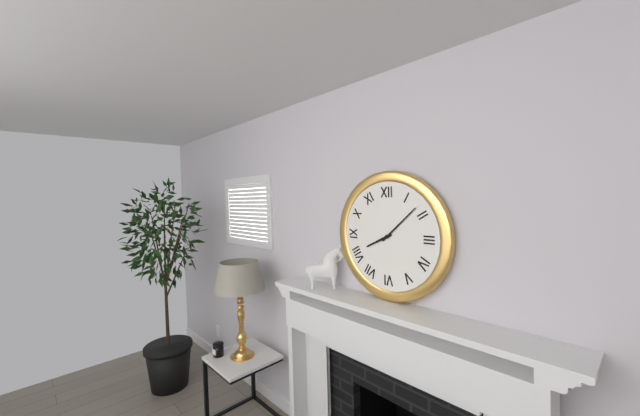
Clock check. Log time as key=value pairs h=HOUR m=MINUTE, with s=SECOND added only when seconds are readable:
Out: h=8 m=8
